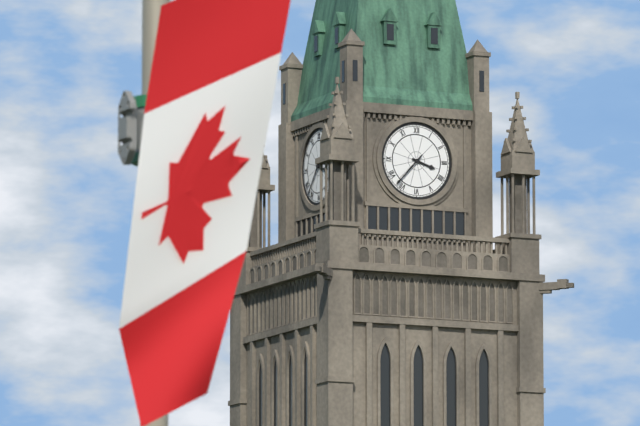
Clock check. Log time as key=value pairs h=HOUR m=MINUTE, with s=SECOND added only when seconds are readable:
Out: h=3 m=37
